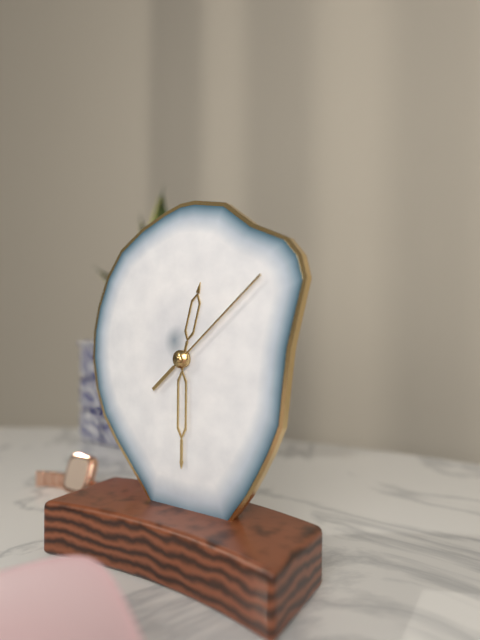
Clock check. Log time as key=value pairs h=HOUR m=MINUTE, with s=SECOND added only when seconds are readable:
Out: h=12 m=30 s=8
